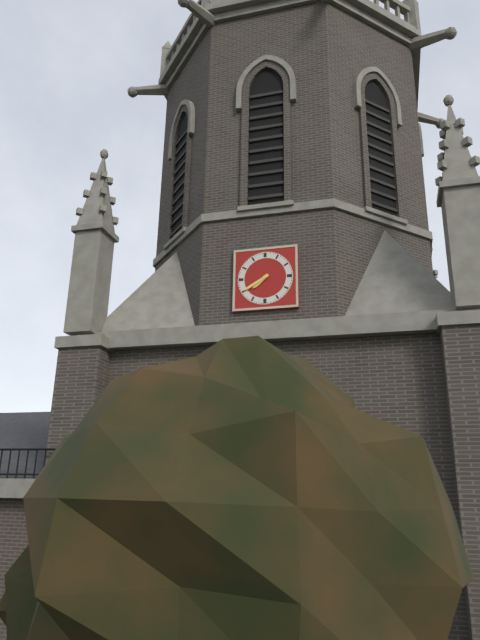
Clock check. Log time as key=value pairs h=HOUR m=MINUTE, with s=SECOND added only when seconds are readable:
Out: h=7 m=40
